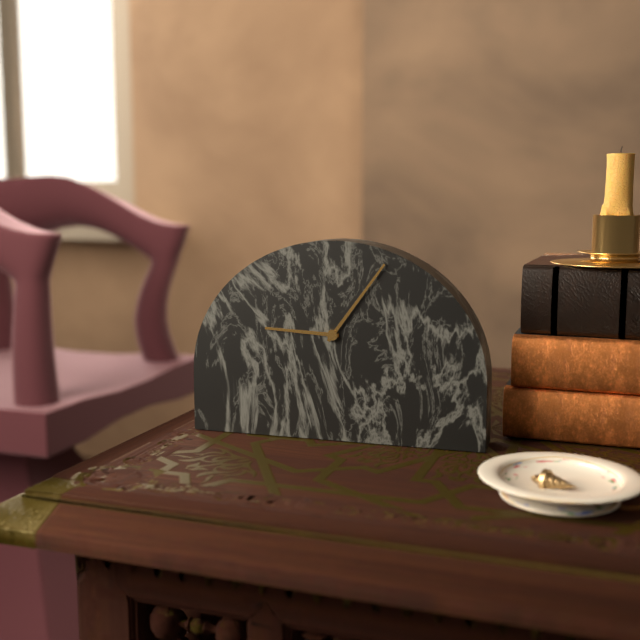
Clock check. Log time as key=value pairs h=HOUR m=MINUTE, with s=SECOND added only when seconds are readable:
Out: h=9 m=6
